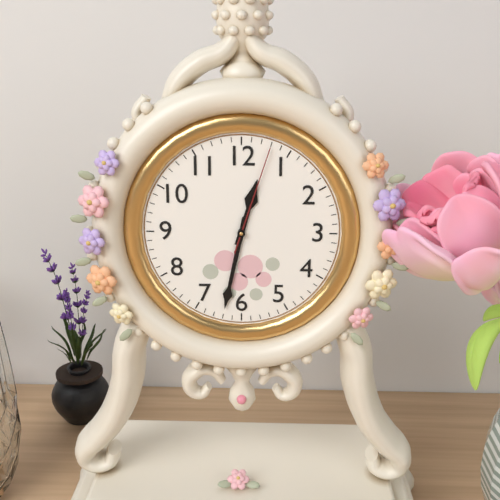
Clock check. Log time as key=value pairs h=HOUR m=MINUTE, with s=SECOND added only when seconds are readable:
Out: h=12 m=32 s=3
